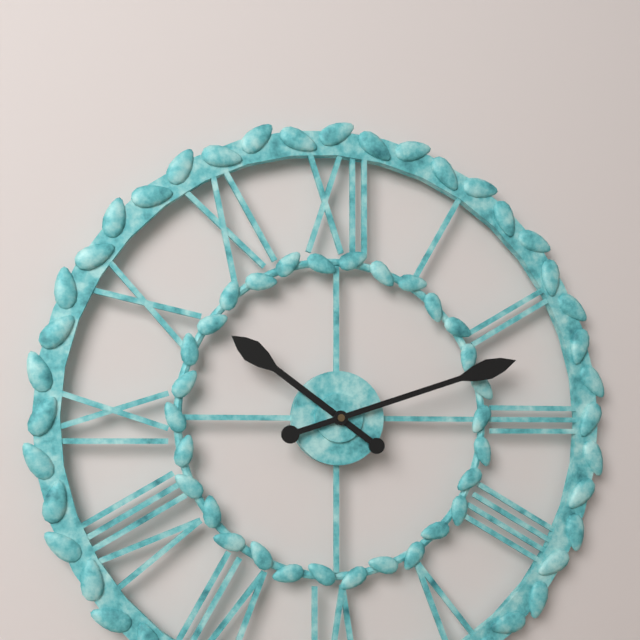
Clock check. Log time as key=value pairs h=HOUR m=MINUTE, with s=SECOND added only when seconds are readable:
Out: h=10 m=12
